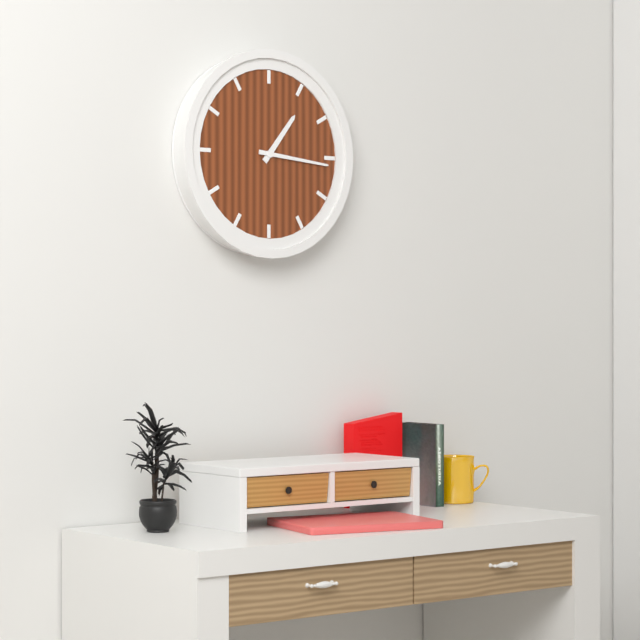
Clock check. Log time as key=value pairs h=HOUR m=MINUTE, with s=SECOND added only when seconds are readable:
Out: h=1 m=16
